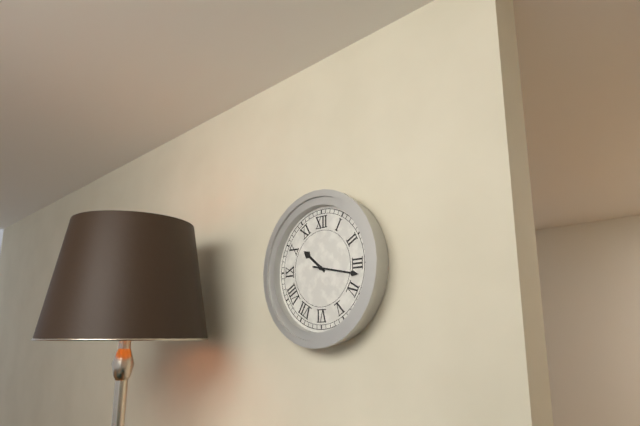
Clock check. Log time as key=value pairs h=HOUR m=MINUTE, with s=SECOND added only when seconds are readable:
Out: h=10 m=17
